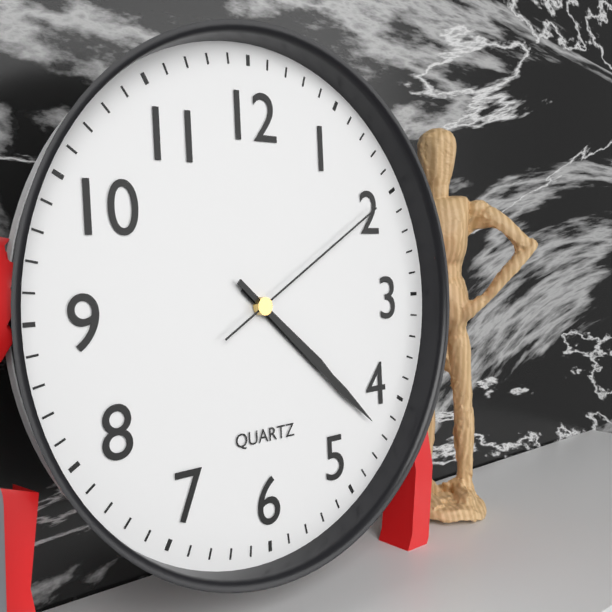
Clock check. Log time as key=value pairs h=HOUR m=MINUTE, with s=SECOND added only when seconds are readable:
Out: h=4 m=22 s=10
